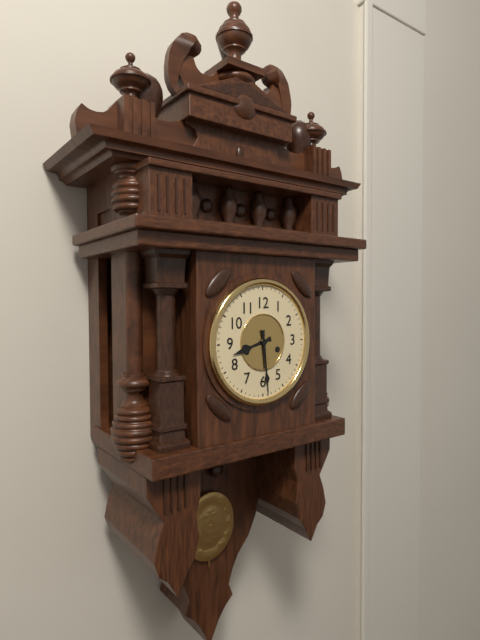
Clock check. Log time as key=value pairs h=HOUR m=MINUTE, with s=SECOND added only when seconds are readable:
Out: h=8 m=29
